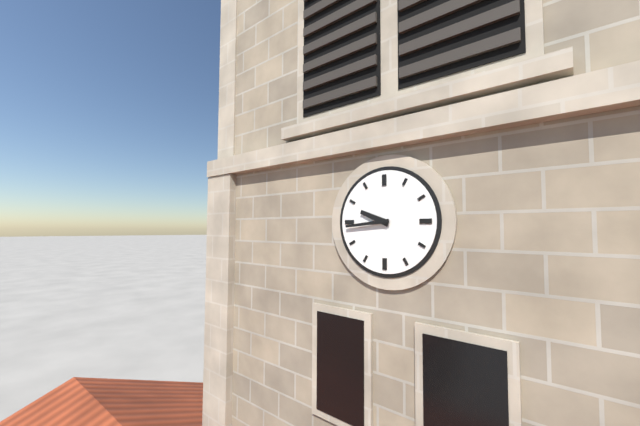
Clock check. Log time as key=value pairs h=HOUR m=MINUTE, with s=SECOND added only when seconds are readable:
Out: h=9 m=44
